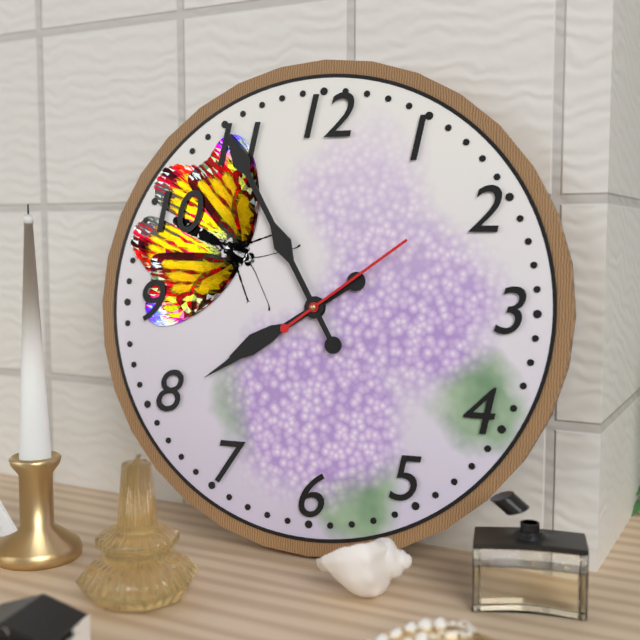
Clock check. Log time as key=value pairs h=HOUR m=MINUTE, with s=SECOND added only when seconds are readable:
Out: h=7 m=55 s=9
